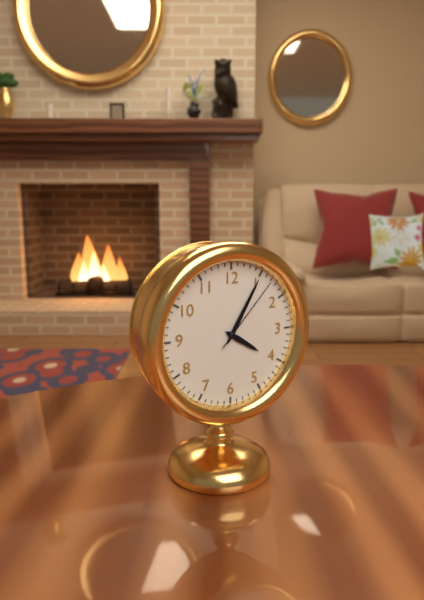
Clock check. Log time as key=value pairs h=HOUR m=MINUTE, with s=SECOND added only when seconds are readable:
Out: h=4 m=5 s=7
